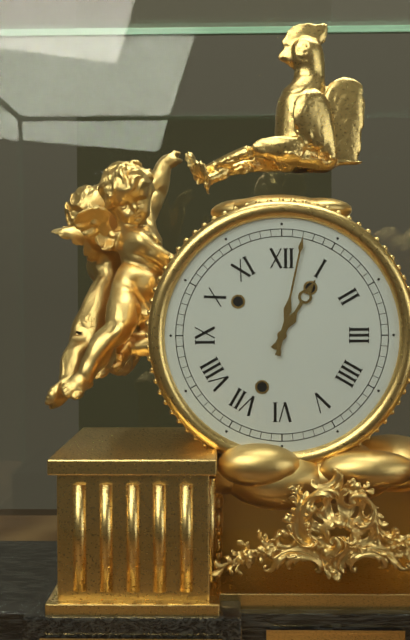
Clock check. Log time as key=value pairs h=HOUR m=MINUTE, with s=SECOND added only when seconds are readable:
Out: h=1 m=2
